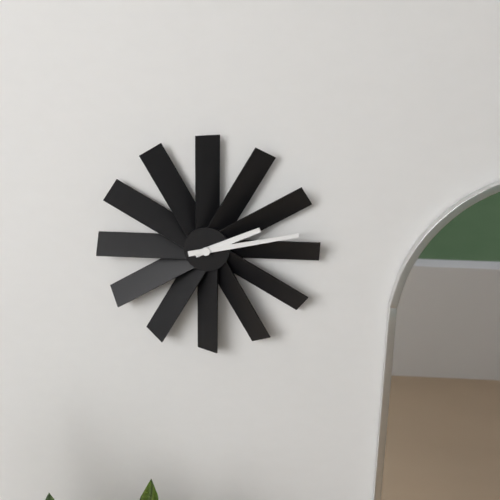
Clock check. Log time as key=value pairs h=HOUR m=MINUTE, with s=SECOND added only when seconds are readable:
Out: h=2 m=13
